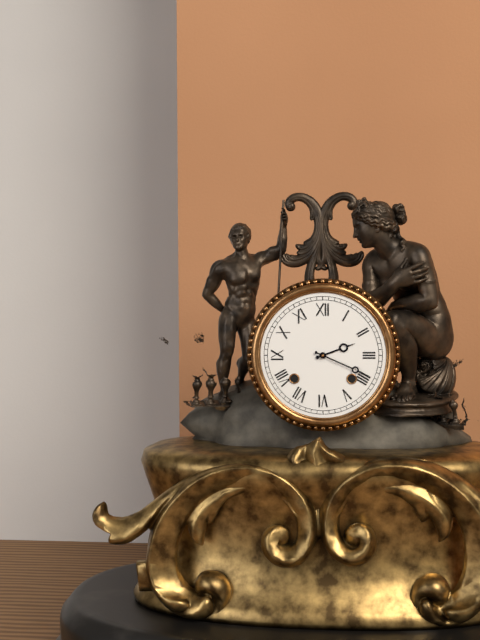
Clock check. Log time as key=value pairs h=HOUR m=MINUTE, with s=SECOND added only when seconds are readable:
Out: h=2 m=19
